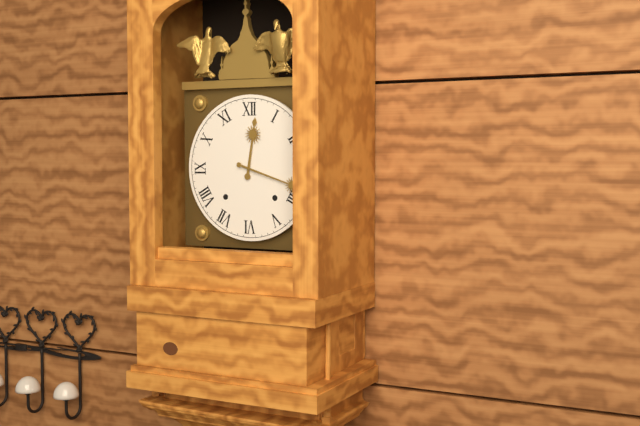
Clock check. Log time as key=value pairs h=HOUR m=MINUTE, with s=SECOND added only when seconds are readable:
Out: h=12 m=18
